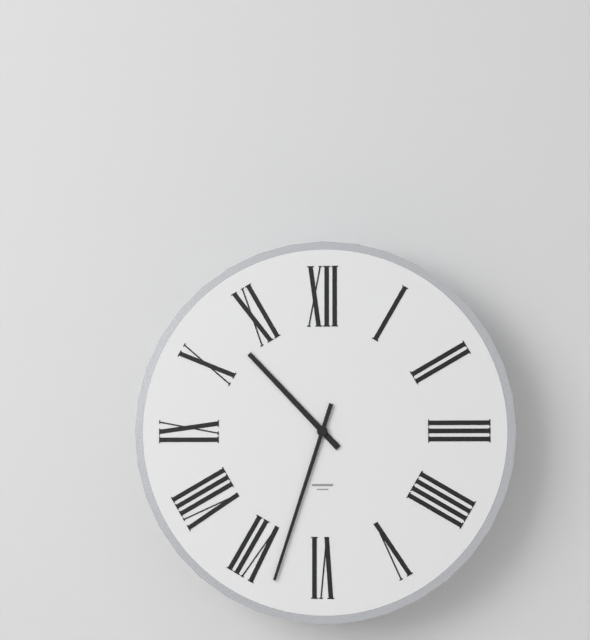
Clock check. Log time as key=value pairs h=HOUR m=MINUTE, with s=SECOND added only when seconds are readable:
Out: h=10 m=33
